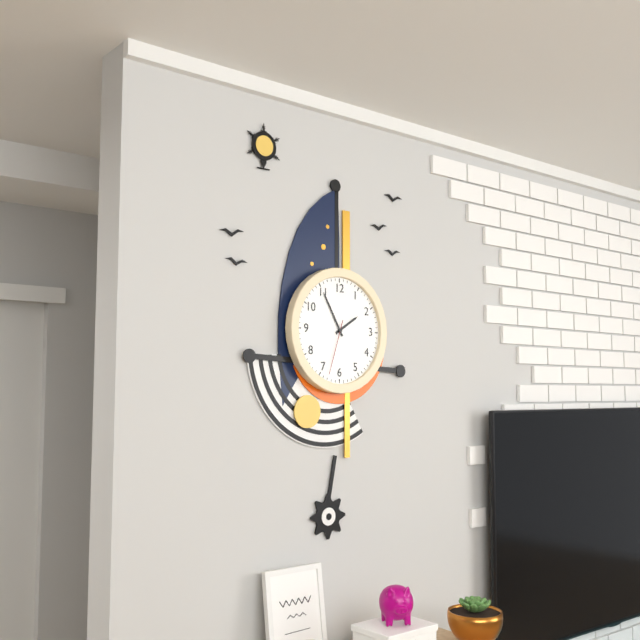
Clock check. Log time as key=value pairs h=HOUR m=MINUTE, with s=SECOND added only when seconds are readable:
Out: h=1 m=55 s=33
